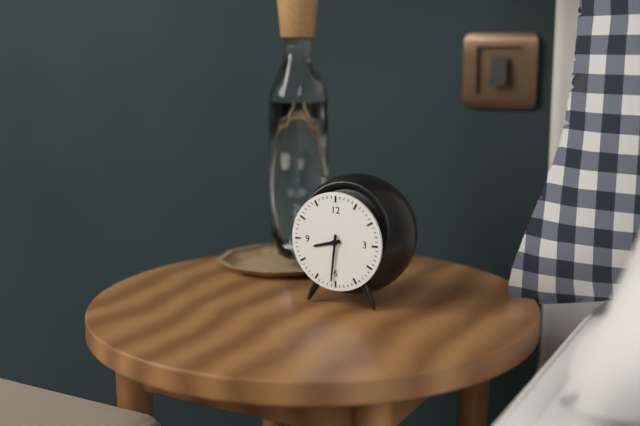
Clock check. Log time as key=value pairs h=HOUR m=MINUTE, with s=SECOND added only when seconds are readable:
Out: h=8 m=31
